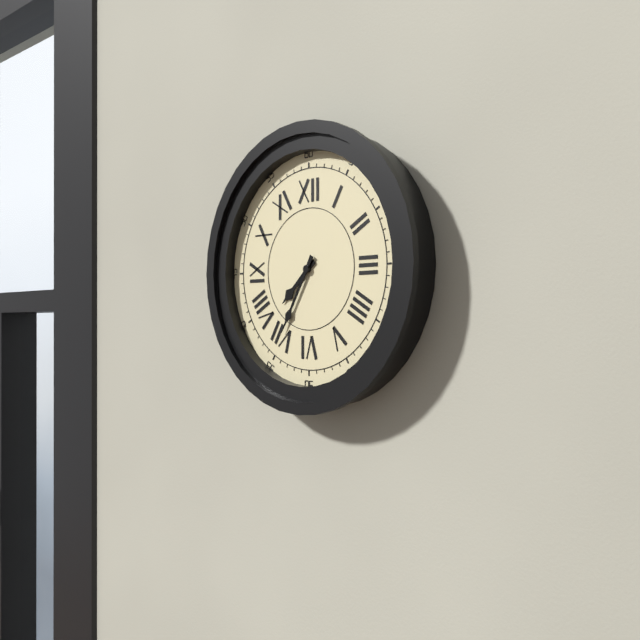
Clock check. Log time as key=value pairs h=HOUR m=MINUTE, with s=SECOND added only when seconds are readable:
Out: h=7 m=35
